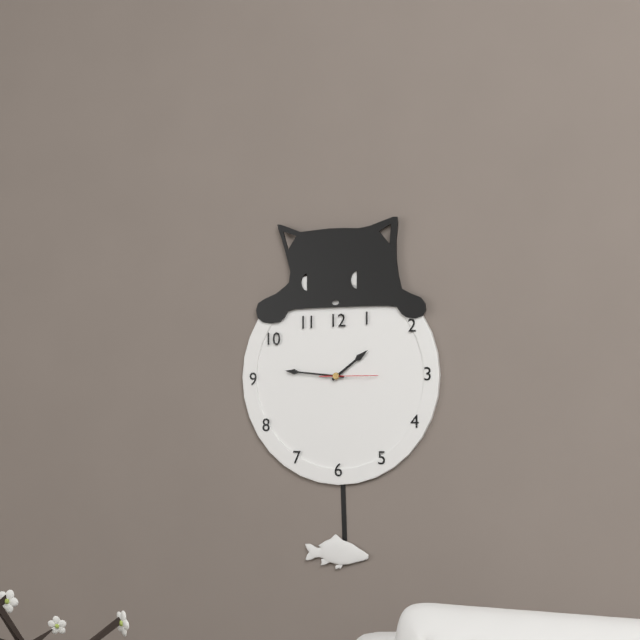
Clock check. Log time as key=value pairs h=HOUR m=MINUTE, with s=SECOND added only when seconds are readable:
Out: h=1 m=46 s=15
